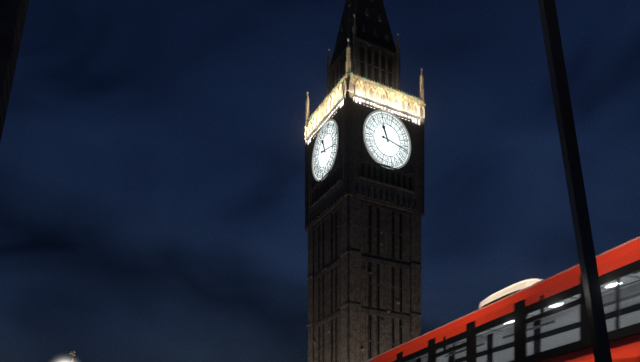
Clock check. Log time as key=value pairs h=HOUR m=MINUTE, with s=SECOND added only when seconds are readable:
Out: h=11 m=17
